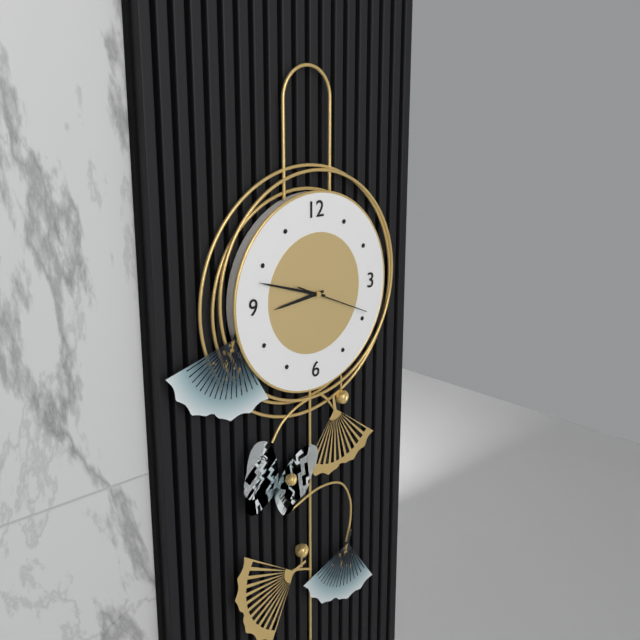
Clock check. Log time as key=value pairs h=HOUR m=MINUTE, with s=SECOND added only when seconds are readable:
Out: h=8 m=48 s=19
